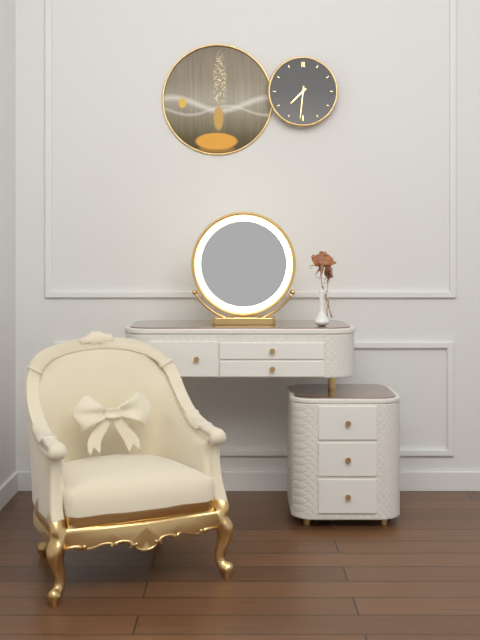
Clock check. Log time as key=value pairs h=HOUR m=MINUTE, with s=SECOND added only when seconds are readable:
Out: h=7 m=31
